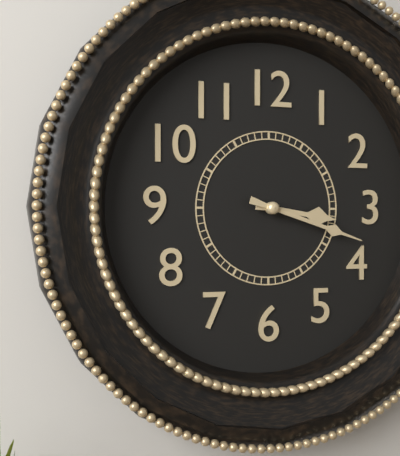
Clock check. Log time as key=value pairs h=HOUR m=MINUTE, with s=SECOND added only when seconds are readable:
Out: h=3 m=18
